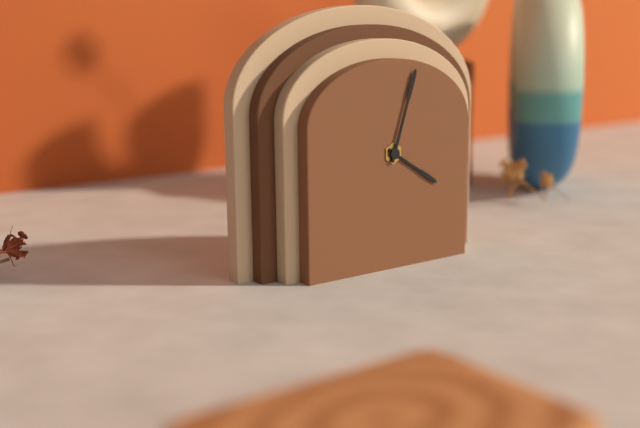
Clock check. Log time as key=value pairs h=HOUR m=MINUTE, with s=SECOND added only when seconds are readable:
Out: h=4 m=3
